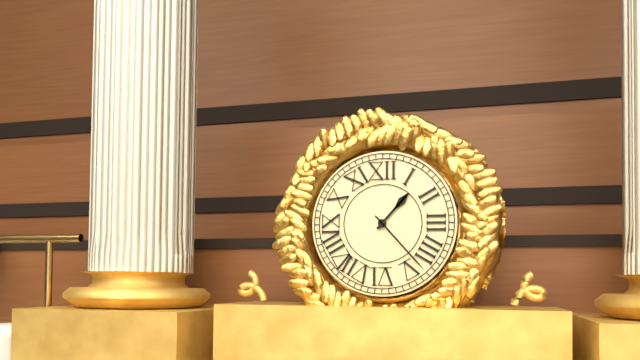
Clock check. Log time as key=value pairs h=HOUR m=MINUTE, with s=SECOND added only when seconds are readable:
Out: h=1 m=23
